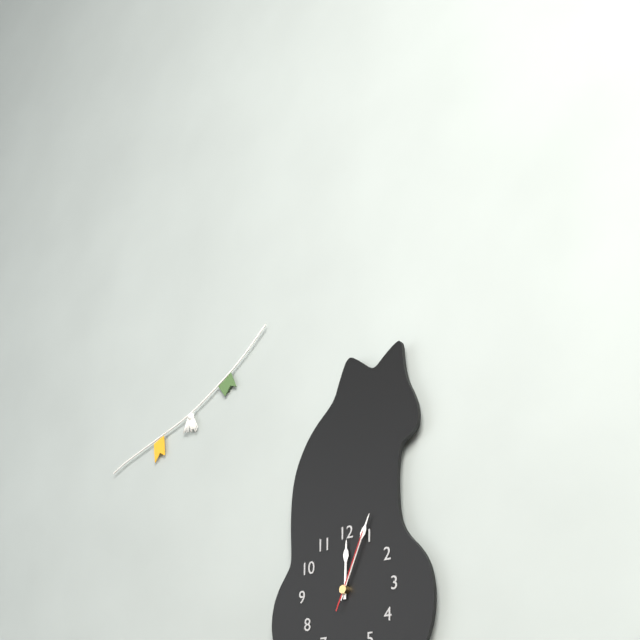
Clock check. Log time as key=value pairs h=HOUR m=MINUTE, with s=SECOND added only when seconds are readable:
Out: h=12 m=4 s=4
